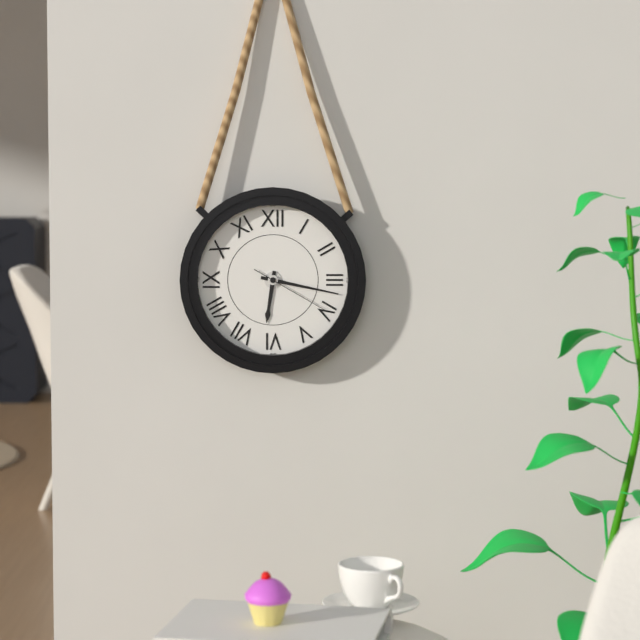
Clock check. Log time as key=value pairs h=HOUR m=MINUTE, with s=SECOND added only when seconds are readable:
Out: h=6 m=17 s=20
